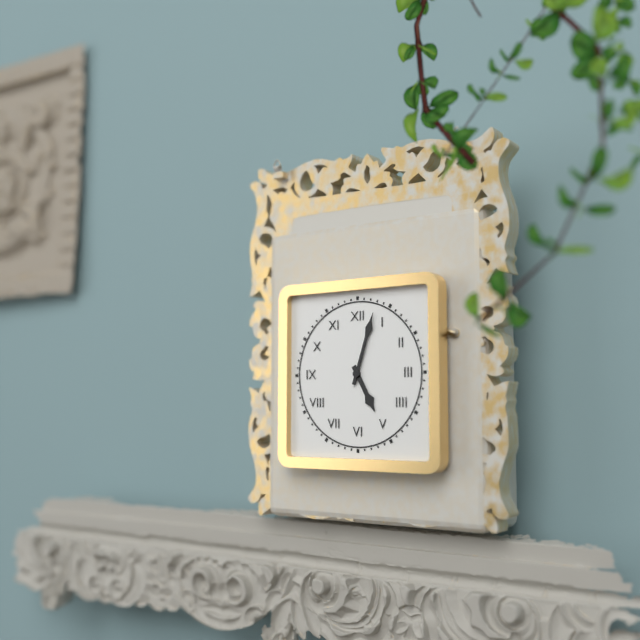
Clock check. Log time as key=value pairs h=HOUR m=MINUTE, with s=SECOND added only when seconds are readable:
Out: h=5 m=3
